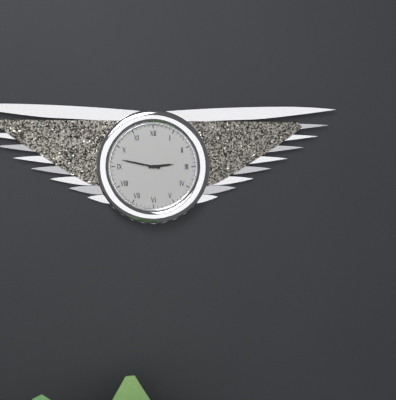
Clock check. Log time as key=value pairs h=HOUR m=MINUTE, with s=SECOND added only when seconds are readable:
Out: h=2 m=47
